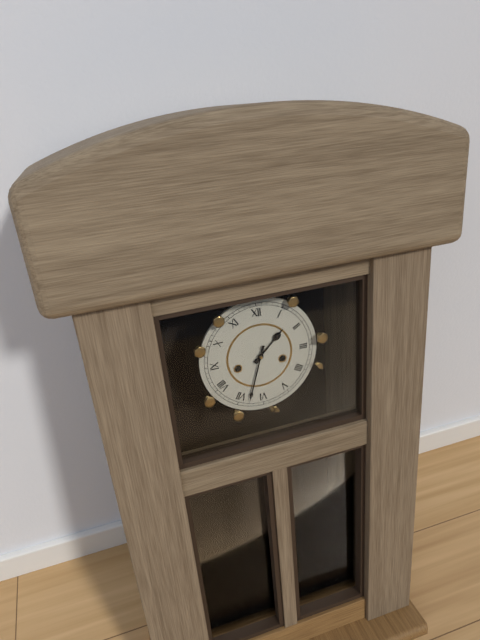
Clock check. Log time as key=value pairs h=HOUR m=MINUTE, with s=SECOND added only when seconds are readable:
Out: h=1 m=33
